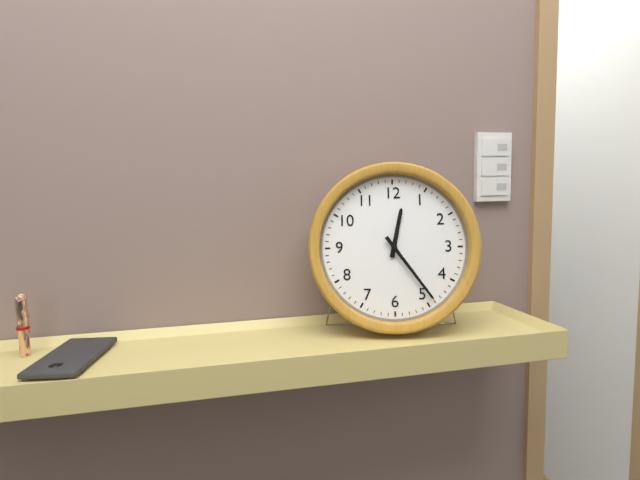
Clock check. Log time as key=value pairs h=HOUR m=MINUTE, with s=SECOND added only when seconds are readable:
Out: h=12 m=24
